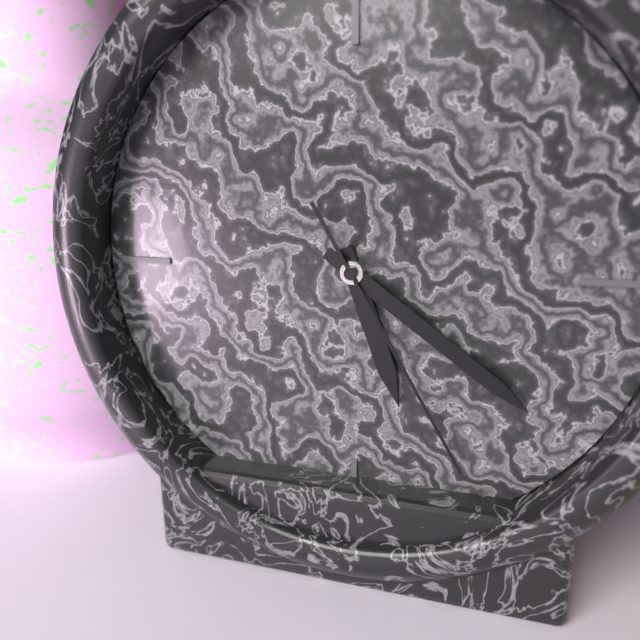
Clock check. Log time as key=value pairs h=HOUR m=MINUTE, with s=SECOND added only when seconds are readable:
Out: h=5 m=21 s=25
